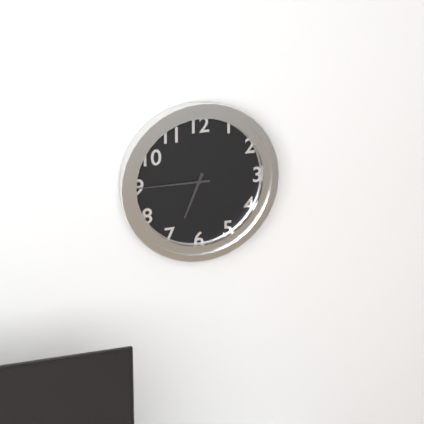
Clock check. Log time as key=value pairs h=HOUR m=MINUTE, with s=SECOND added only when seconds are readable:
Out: h=6 m=45
